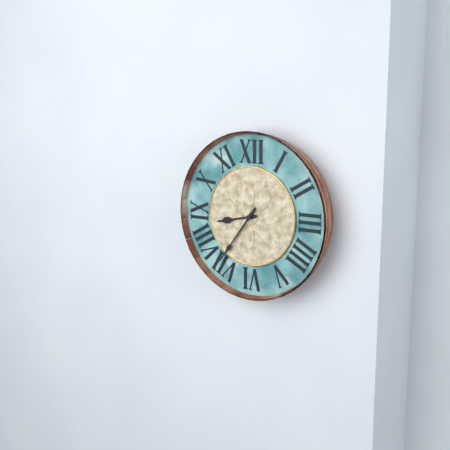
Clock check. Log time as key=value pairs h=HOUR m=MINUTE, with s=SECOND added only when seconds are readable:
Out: h=8 m=36
